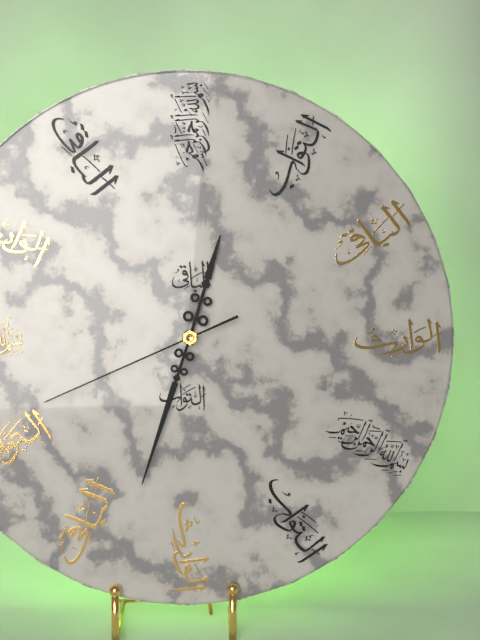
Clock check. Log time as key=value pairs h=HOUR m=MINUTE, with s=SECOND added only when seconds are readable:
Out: h=12 m=33 s=41
